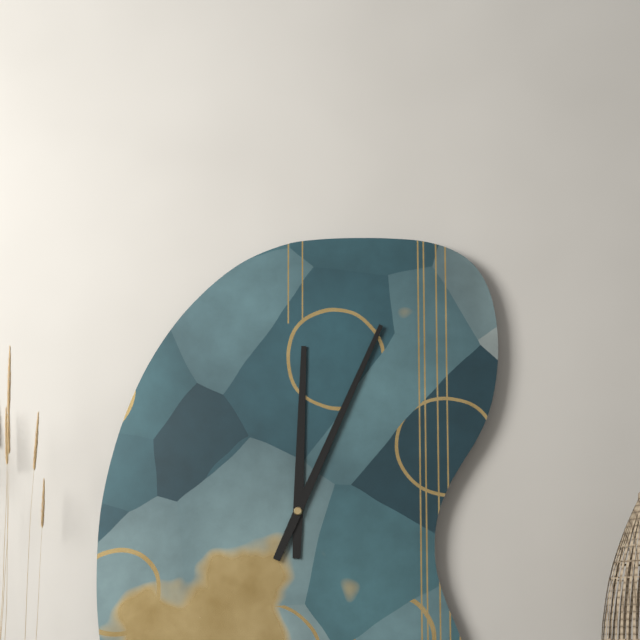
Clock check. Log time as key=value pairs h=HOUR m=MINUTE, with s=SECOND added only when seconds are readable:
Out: h=12 m=4
